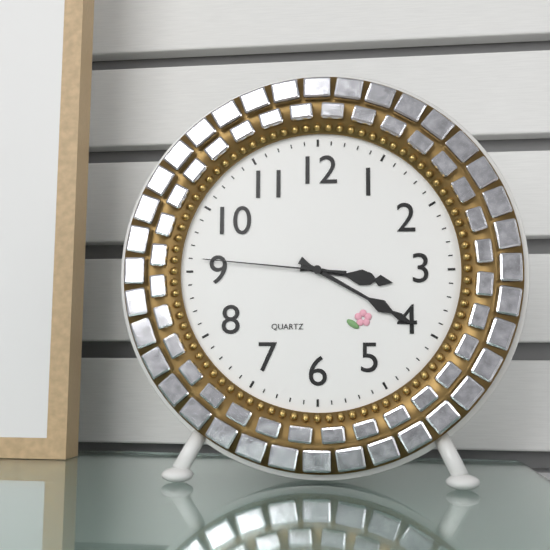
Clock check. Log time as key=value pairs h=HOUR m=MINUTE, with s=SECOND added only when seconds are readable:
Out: h=3 m=20 s=46
